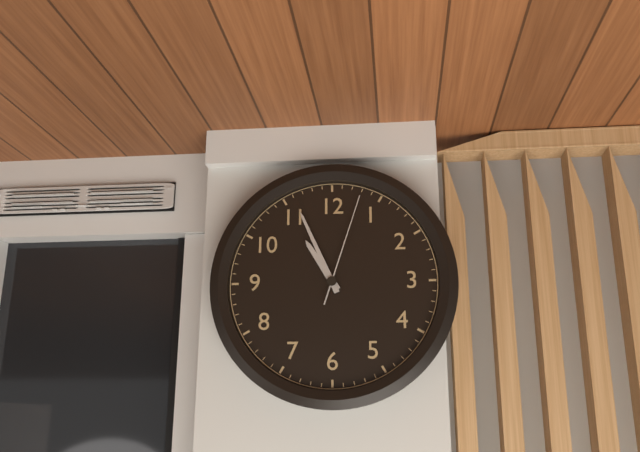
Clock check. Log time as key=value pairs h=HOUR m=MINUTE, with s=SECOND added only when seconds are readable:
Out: h=10 m=56 s=3
